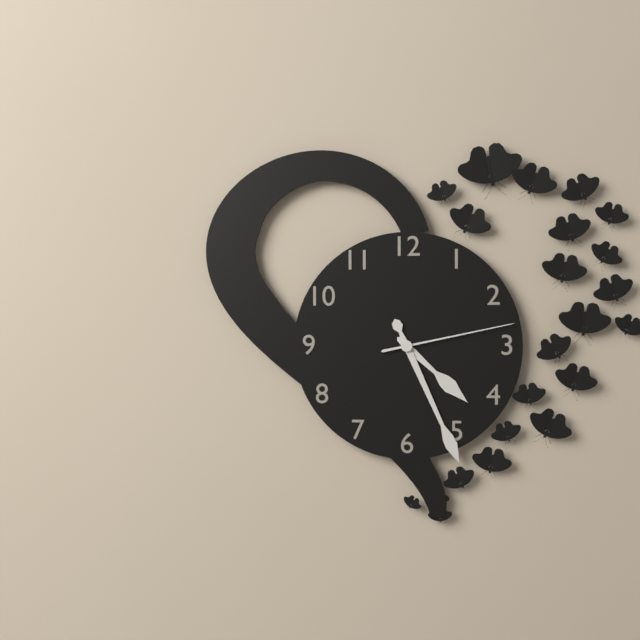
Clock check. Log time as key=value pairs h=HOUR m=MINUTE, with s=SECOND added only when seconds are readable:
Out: h=4 m=26 s=13
